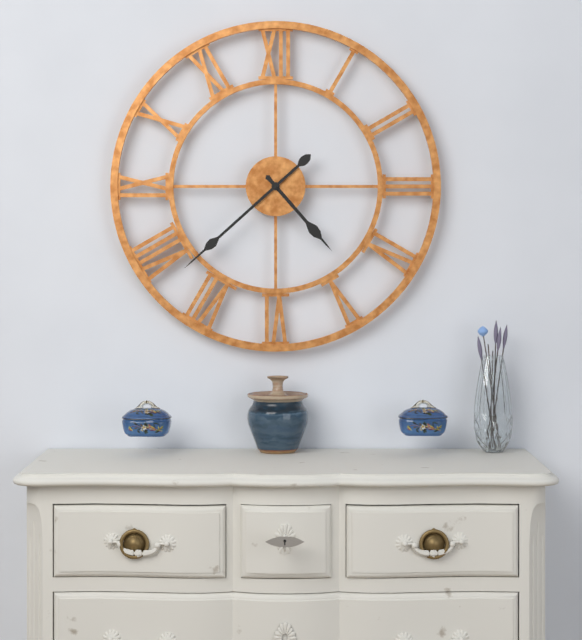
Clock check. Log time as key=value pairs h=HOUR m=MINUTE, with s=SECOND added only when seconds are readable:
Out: h=4 m=38
